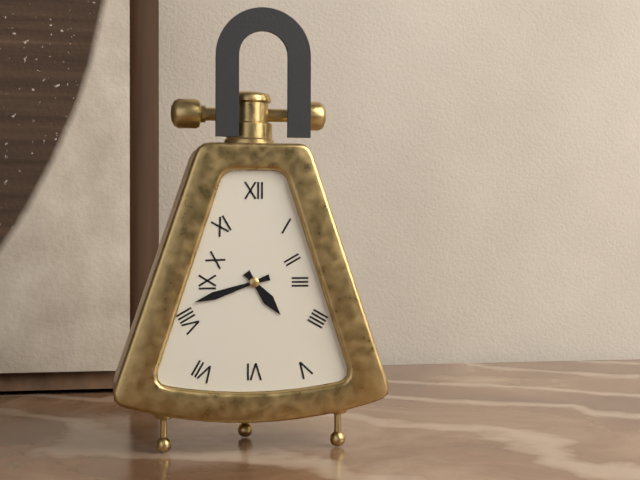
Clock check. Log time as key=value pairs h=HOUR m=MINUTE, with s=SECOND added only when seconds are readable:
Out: h=4 m=42
